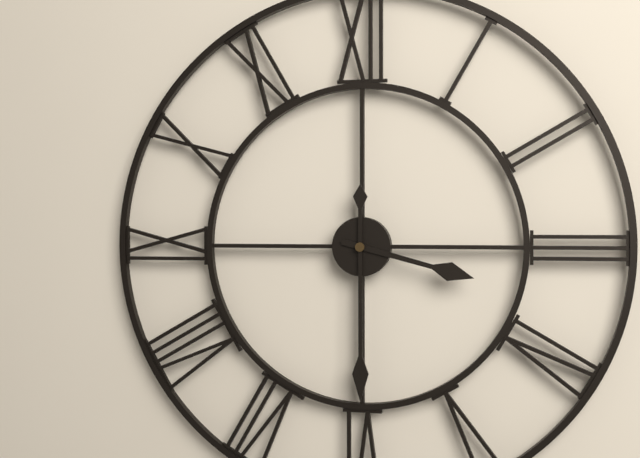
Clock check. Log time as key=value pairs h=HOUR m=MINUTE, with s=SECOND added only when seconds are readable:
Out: h=3 m=30
